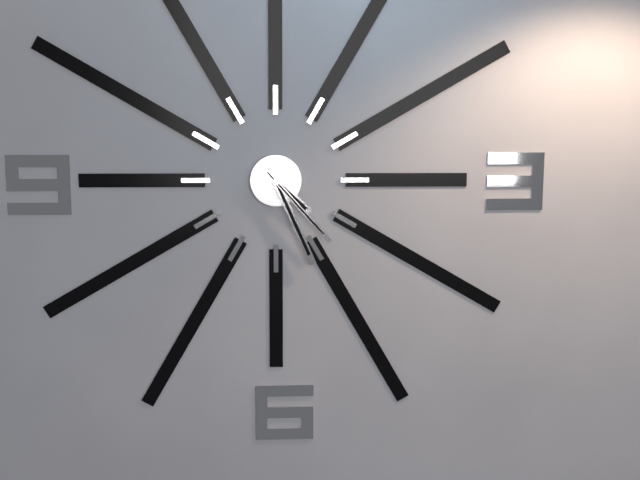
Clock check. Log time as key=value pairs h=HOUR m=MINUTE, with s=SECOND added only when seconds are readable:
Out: h=4 m=26 s=23
